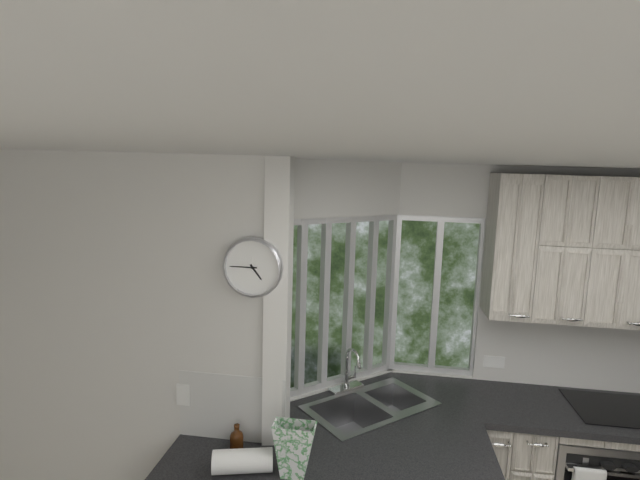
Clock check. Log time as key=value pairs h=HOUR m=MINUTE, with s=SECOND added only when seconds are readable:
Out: h=4 m=45
